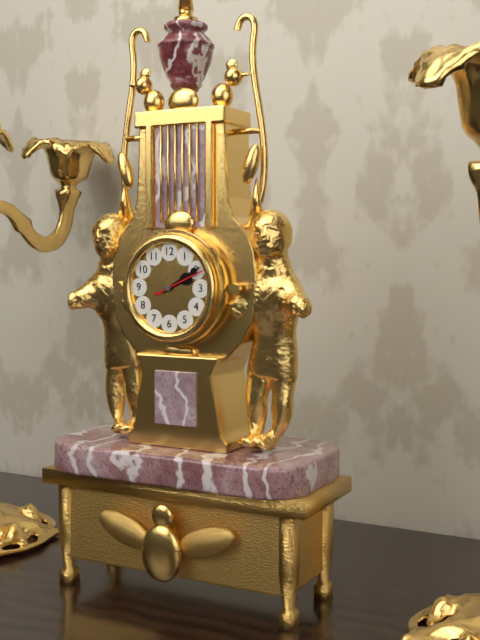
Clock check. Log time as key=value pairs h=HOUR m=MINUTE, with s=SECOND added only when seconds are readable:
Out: h=2 m=10
